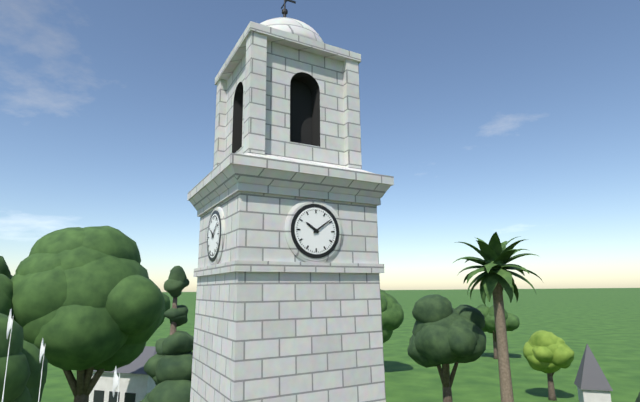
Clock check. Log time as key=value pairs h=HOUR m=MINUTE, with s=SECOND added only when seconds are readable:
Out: h=10 m=9
